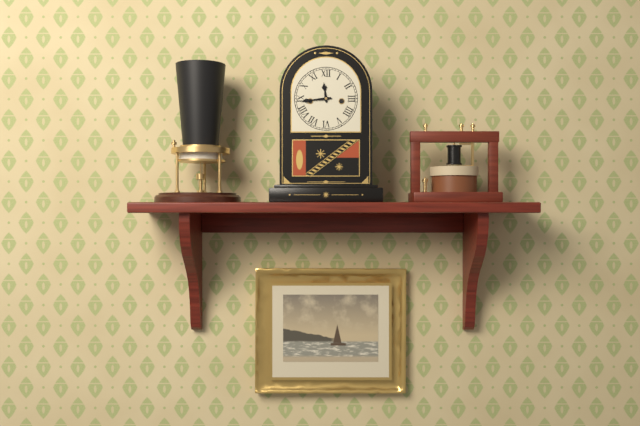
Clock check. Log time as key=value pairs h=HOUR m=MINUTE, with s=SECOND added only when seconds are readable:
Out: h=11 m=44
